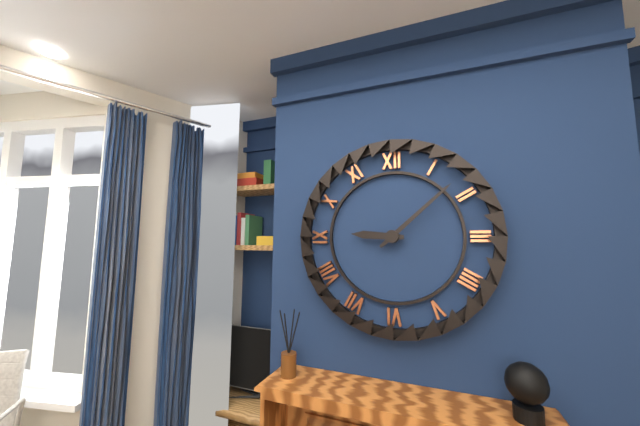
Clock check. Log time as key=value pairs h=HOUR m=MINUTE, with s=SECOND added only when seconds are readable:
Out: h=9 m=8
